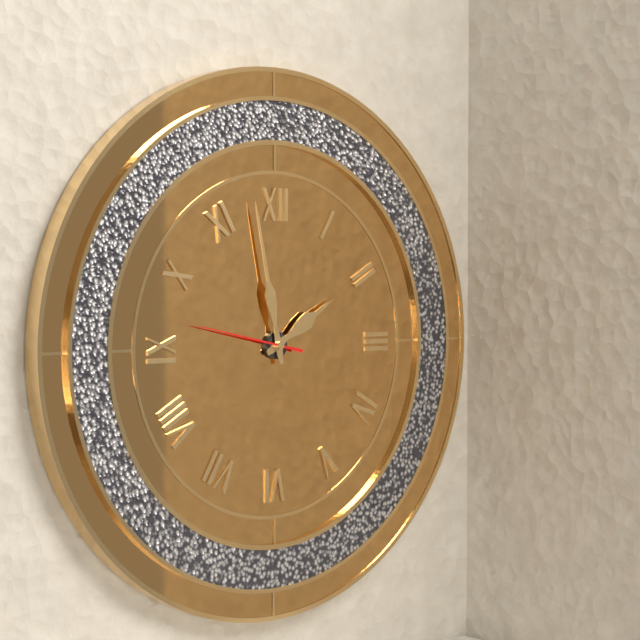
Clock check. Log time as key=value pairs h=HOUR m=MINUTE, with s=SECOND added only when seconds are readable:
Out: h=1 m=58 s=47
